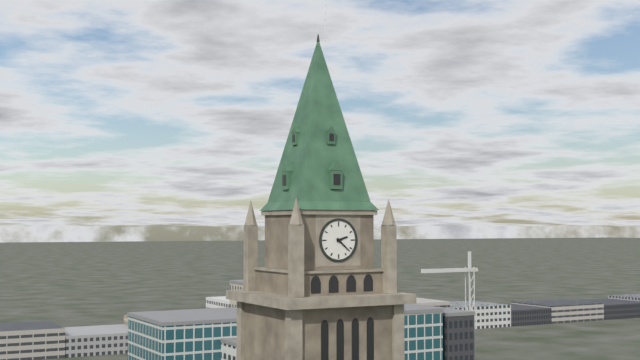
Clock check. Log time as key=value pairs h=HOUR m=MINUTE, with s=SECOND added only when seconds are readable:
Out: h=2 m=22
